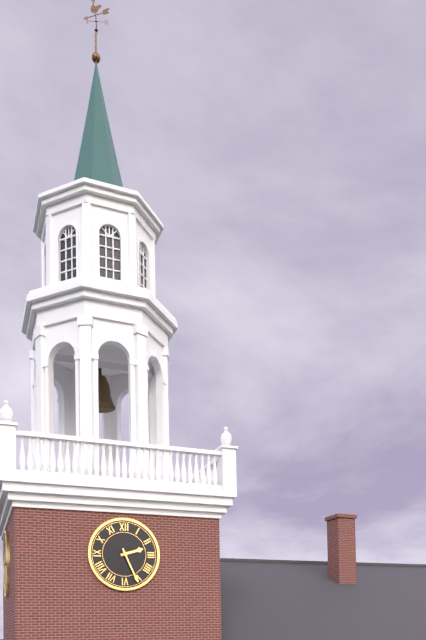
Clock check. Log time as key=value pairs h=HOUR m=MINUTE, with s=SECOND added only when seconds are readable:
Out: h=2 m=26
